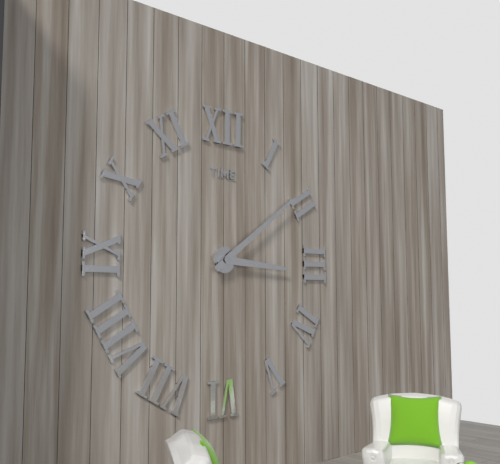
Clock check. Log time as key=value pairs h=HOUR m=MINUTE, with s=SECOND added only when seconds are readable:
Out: h=3 m=9
